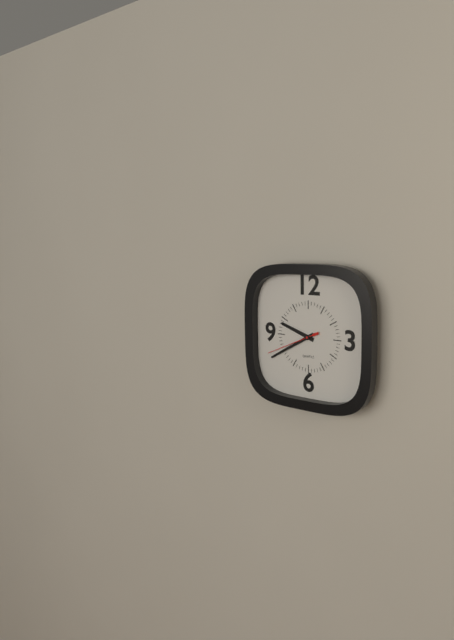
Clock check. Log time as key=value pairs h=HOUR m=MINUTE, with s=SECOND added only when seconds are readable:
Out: h=9 m=40 s=41
